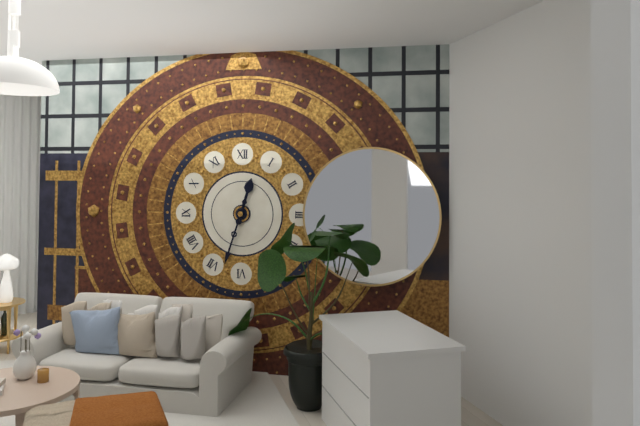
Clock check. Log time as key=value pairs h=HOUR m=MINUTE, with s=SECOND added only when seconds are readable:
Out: h=12 m=33
